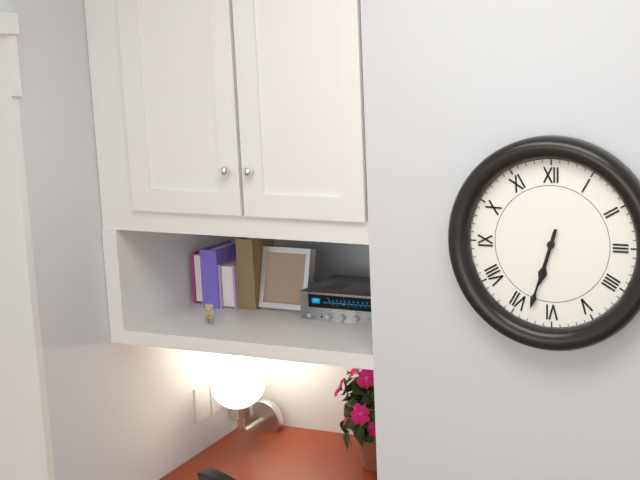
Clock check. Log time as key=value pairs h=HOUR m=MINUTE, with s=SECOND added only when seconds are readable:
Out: h=6 m=33
